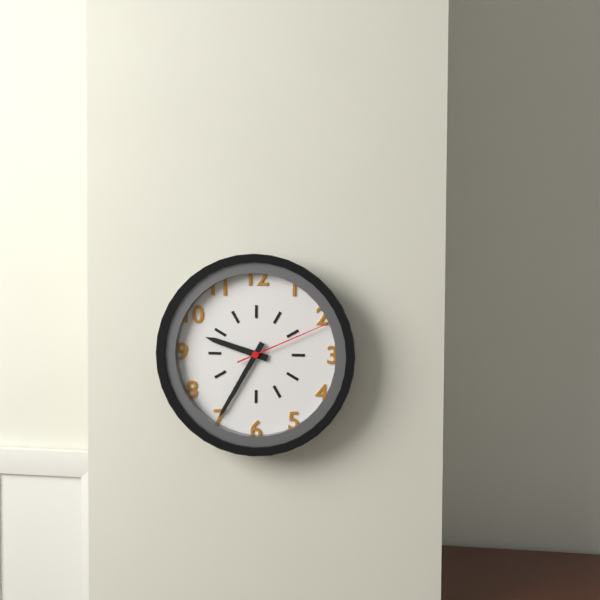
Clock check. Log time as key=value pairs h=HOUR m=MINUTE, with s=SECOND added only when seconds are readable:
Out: h=9 m=35 s=11
